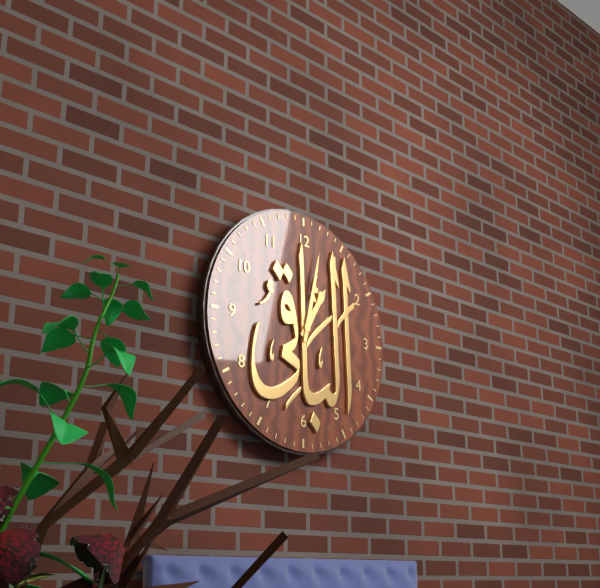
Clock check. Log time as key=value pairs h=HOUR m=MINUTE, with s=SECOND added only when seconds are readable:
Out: h=1 m=2
